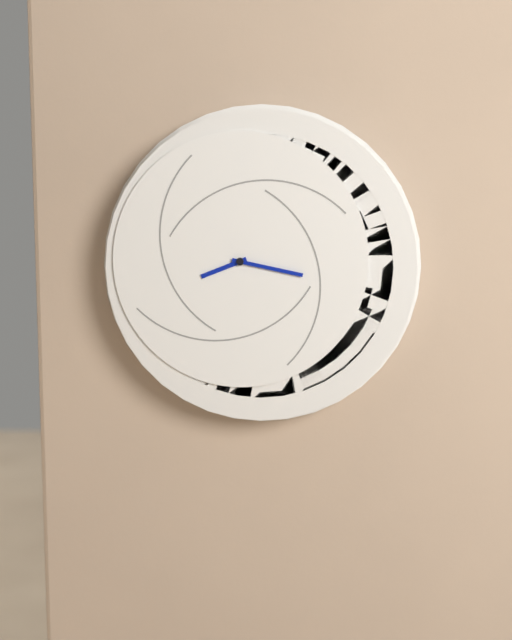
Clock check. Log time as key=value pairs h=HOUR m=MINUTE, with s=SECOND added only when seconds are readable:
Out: h=8 m=17
